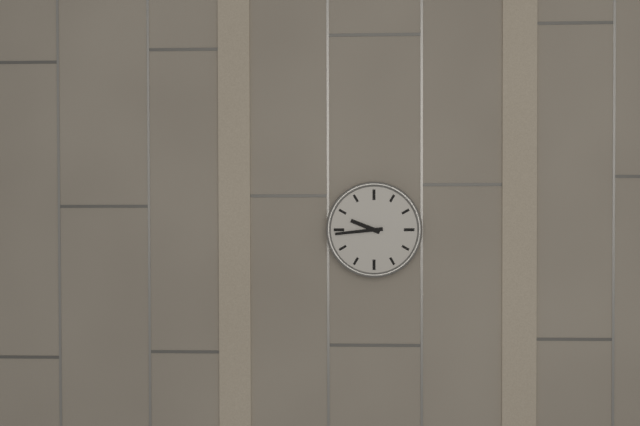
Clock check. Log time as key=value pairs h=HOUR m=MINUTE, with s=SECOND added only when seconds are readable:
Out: h=9 m=44
